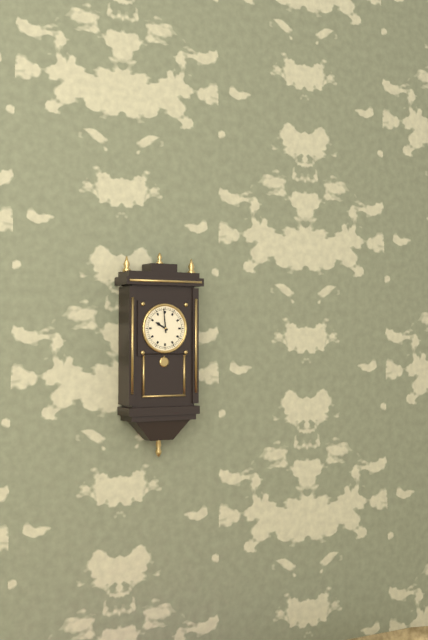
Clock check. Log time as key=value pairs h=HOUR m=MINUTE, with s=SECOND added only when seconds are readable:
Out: h=9 m=59
